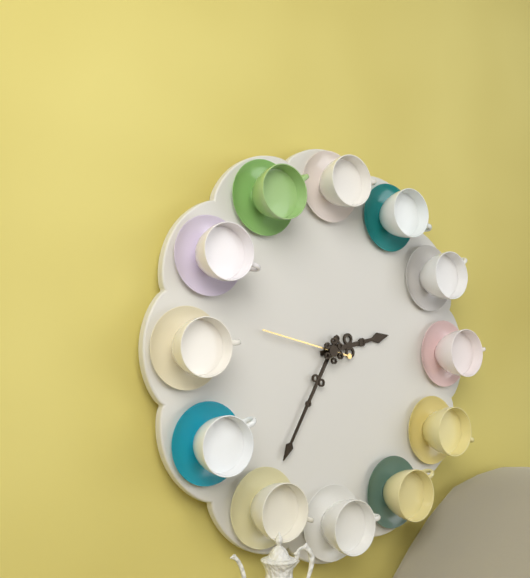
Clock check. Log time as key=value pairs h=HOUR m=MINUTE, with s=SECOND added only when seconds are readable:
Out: h=2 m=35 s=47
